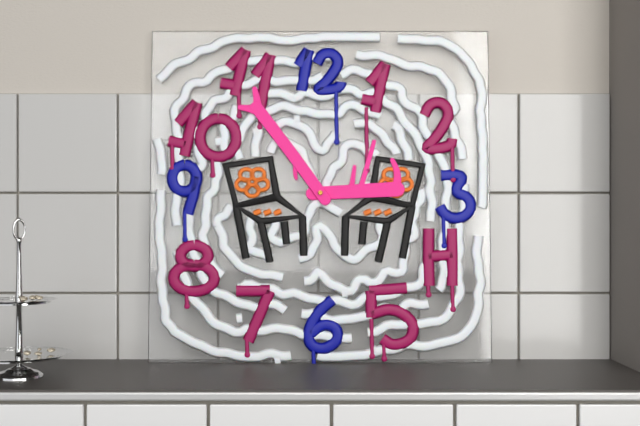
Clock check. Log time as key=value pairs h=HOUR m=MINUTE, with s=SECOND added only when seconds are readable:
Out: h=2 m=54
